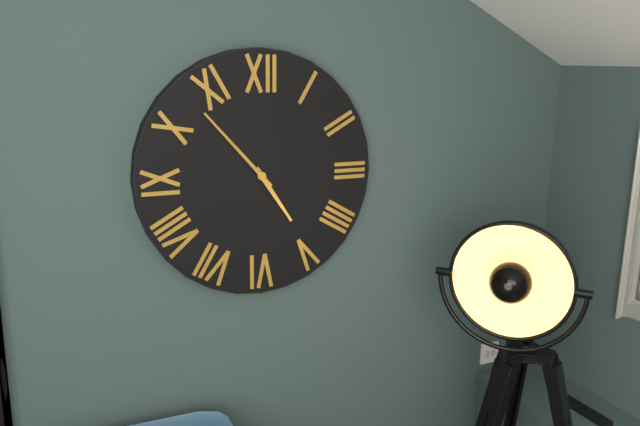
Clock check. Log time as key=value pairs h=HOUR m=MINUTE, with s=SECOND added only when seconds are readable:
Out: h=4 m=53
